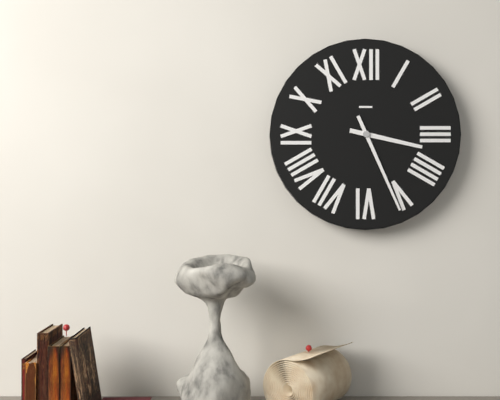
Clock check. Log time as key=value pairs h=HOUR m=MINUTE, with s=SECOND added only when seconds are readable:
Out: h=3 m=26
